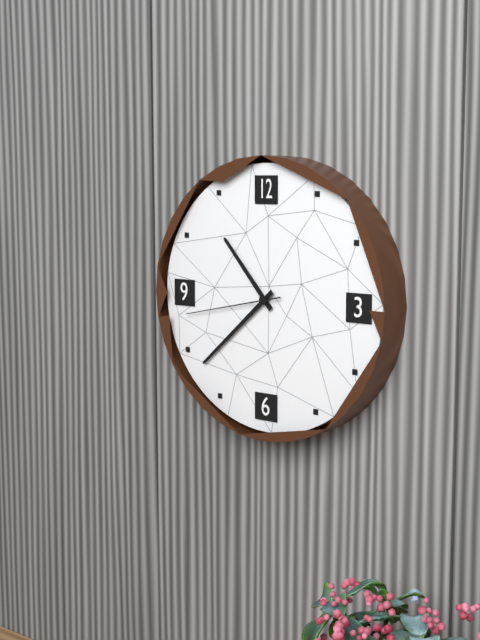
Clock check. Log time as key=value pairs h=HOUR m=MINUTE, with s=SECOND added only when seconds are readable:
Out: h=10 m=38 s=43
